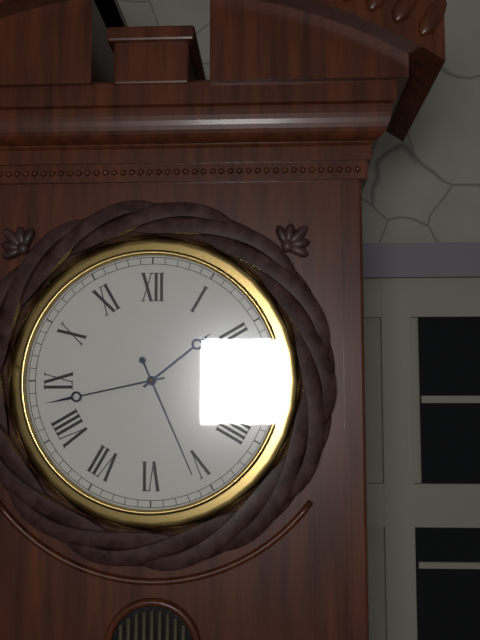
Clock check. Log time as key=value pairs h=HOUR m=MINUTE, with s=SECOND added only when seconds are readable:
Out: h=1 m=43 s=26
